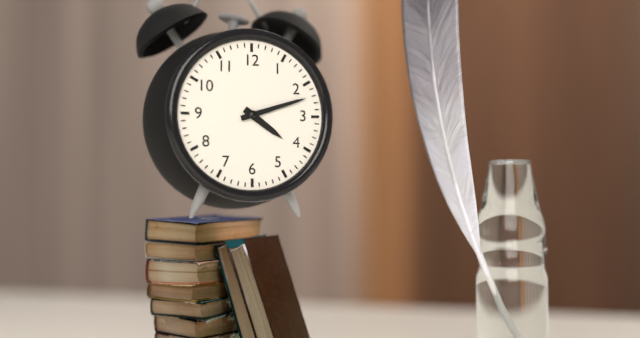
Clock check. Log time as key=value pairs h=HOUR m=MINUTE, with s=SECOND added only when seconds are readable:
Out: h=4 m=12
